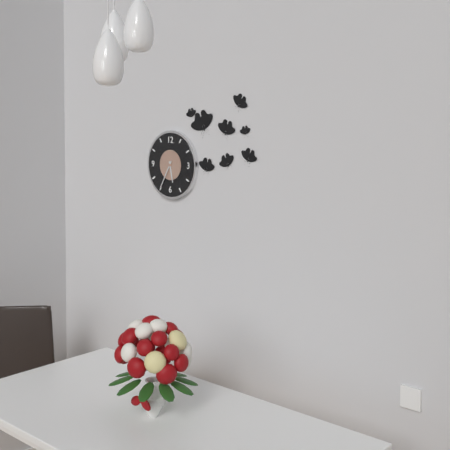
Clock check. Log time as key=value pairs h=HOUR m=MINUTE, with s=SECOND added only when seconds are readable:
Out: h=5 m=35
